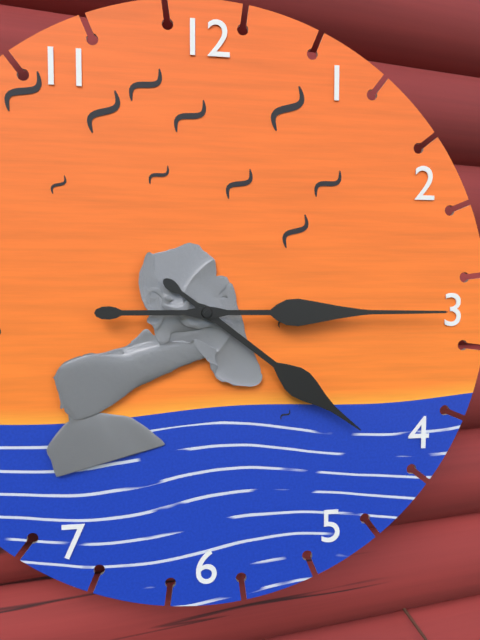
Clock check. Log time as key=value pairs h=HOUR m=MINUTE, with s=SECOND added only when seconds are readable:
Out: h=4 m=15
